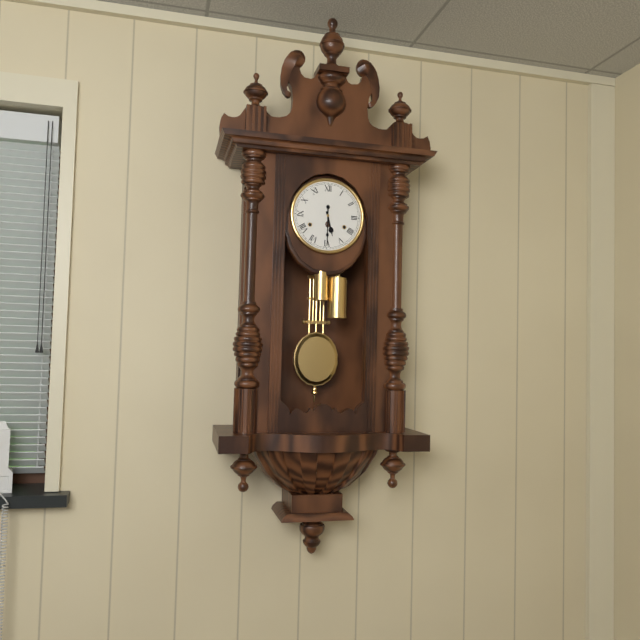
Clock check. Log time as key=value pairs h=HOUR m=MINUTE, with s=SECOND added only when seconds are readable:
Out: h=5 m=30
